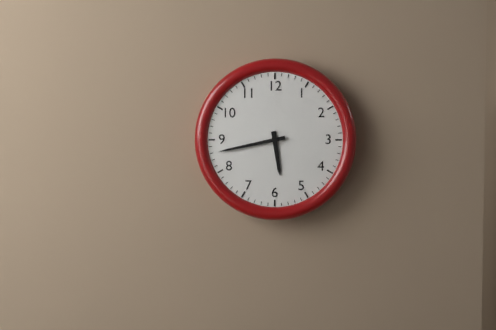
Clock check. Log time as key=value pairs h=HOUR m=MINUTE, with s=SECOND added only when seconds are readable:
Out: h=5 m=43
